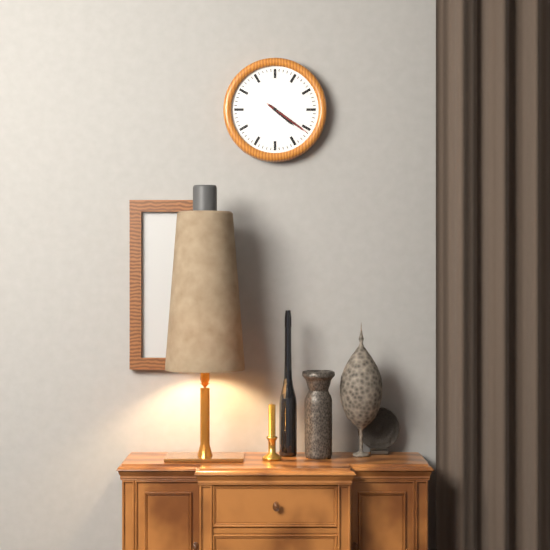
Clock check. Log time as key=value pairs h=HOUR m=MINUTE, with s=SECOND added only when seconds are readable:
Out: h=4 m=21
